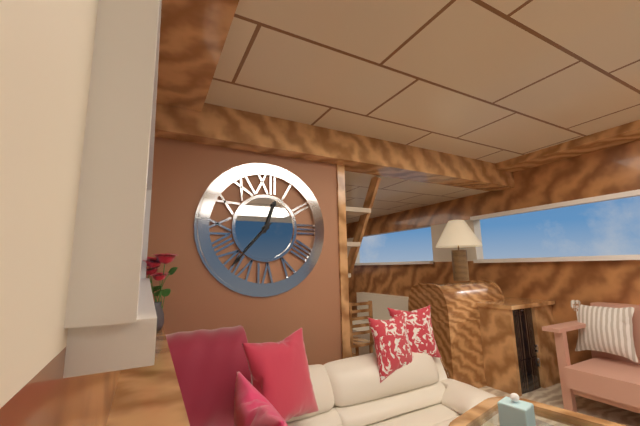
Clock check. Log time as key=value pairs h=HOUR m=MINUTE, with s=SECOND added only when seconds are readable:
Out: h=12 m=37
